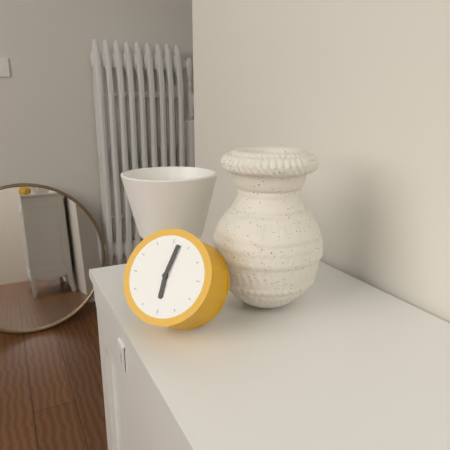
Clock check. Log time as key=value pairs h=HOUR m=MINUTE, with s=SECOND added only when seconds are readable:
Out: h=6 m=2
